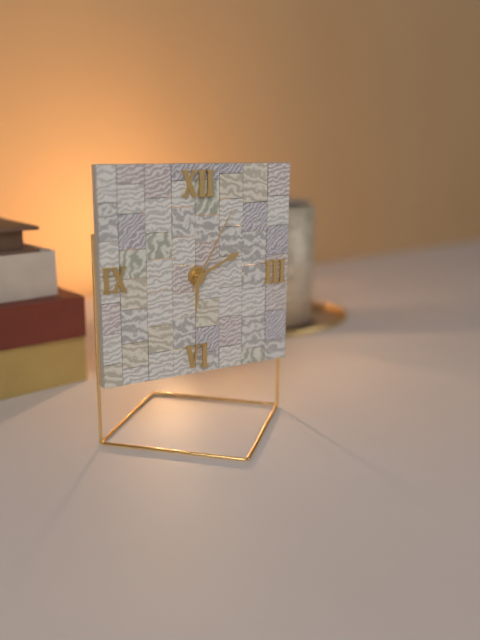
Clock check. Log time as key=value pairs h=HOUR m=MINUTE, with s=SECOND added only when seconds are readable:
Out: h=6 m=11 s=5
